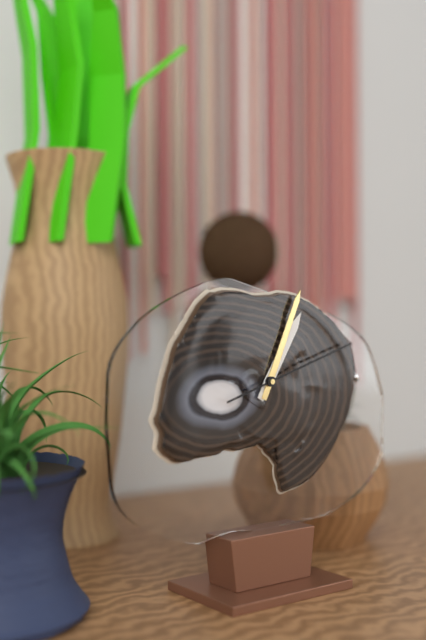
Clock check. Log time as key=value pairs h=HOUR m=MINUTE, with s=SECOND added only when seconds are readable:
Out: h=1 m=4 s=12
